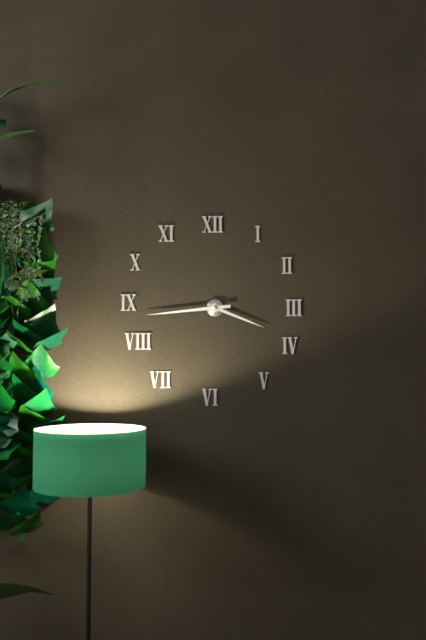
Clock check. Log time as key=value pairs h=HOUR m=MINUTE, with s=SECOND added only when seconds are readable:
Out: h=3 m=44
